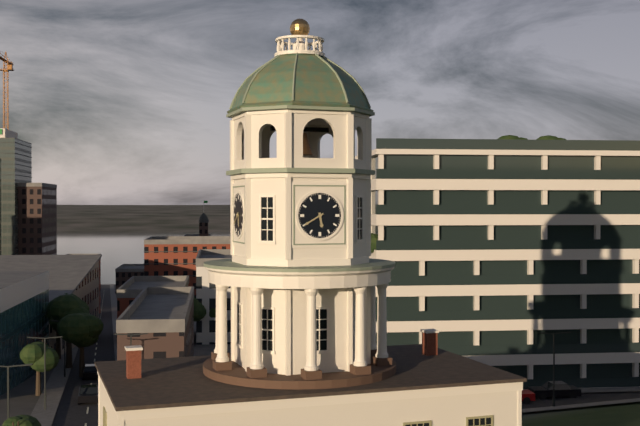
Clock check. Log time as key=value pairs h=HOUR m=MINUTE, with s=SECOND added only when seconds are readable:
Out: h=5 m=40
